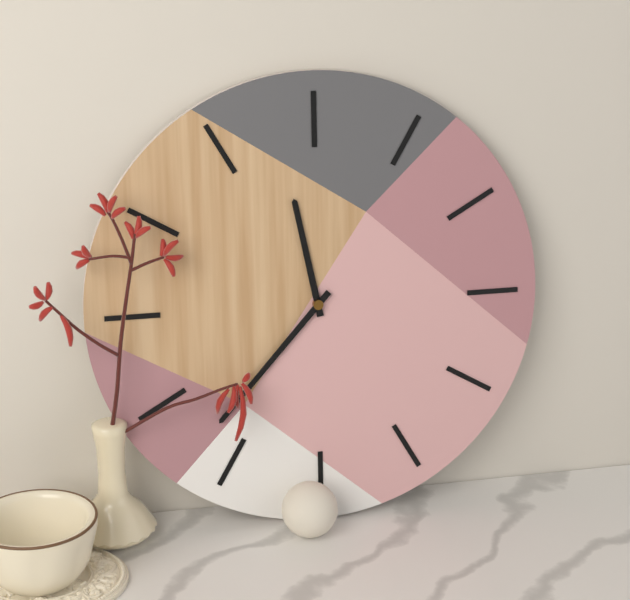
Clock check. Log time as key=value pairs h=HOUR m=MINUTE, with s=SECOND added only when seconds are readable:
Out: h=11 m=37
